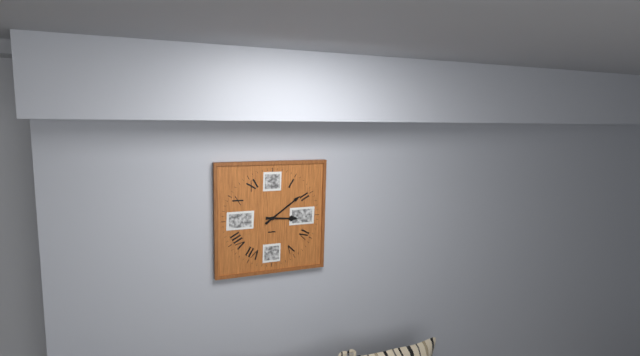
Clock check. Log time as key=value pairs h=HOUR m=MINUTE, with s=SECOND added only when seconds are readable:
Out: h=3 m=9
